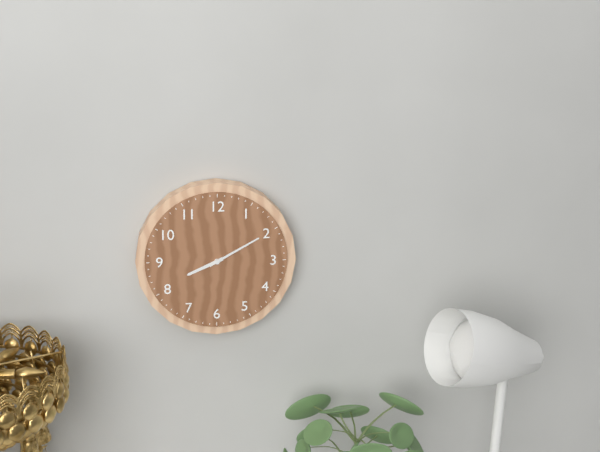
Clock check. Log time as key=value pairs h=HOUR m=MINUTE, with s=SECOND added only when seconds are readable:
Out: h=8 m=10
